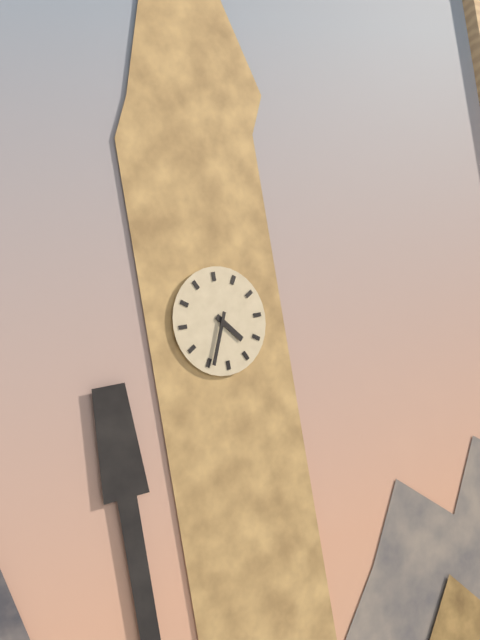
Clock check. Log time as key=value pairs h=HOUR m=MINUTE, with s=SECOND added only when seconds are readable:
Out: h=4 m=34
